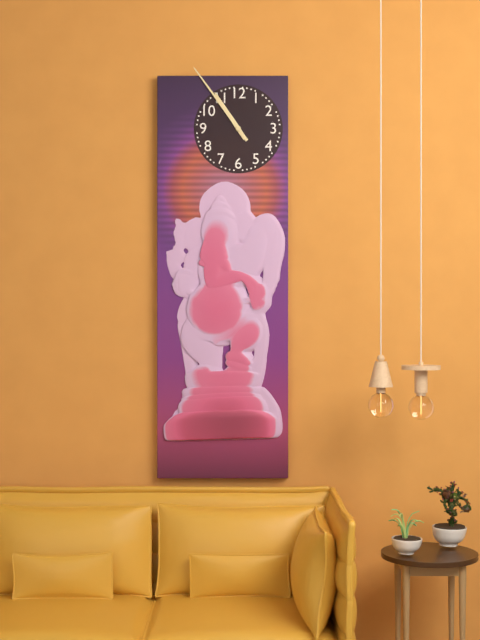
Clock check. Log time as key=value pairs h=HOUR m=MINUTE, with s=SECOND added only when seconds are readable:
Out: h=10 m=54
